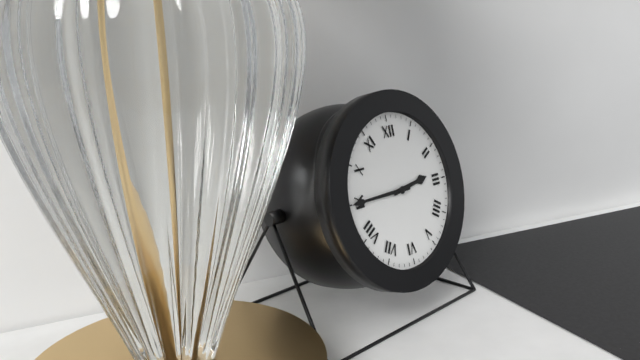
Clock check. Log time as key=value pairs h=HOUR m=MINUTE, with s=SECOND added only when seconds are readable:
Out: h=2 m=45
